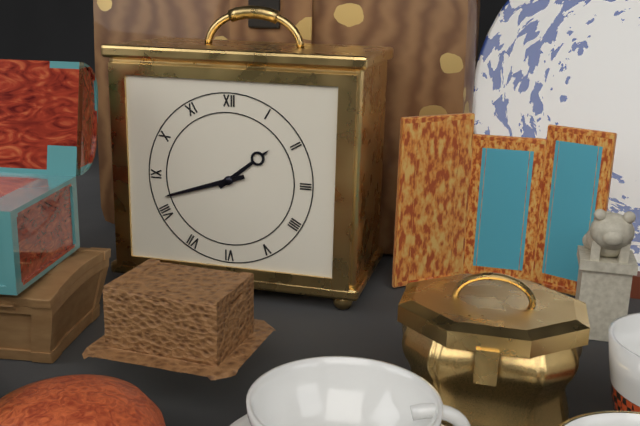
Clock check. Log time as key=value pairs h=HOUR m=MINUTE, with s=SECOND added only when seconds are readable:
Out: h=1 m=42
